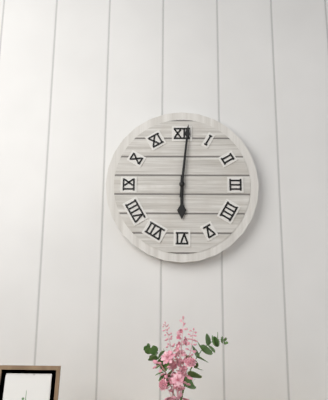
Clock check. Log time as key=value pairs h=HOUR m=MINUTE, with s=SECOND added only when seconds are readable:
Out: h=6 m=1
